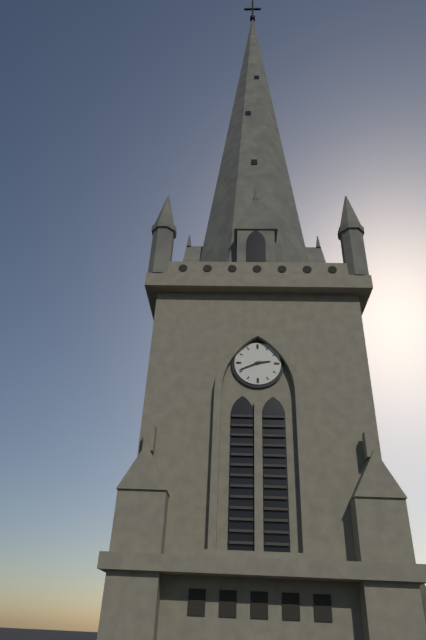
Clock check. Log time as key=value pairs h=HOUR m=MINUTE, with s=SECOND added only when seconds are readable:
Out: h=2 m=41
